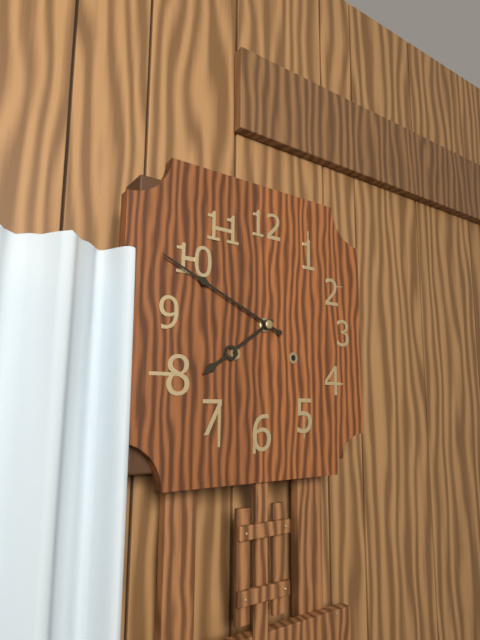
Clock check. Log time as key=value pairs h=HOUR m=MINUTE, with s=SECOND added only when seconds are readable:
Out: h=7 m=49
